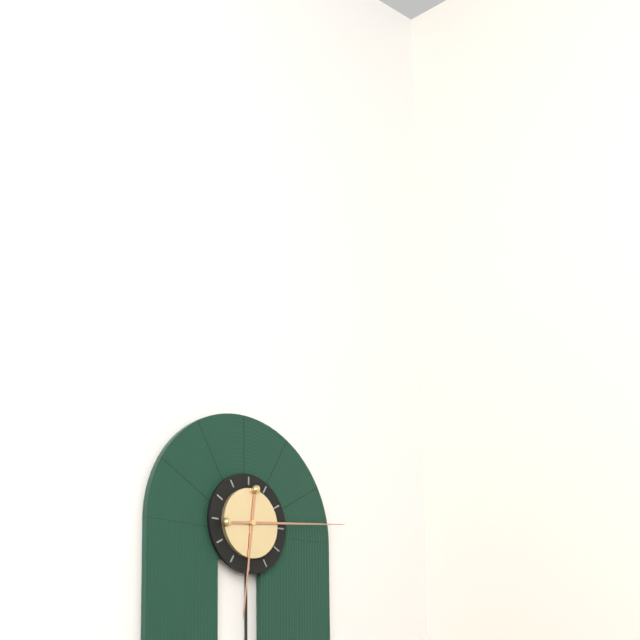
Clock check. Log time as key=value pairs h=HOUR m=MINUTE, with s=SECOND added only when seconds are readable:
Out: h=6 m=14
